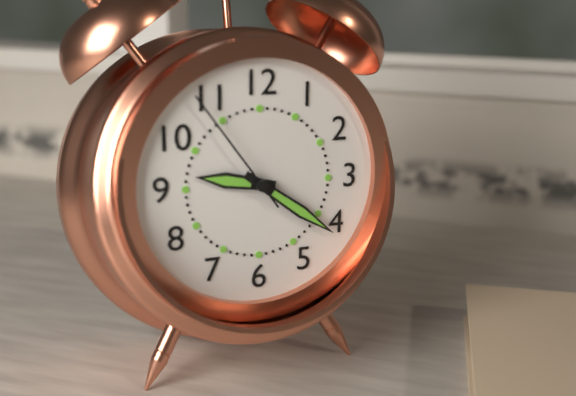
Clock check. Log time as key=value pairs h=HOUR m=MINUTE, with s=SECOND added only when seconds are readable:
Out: h=9 m=21 s=54
